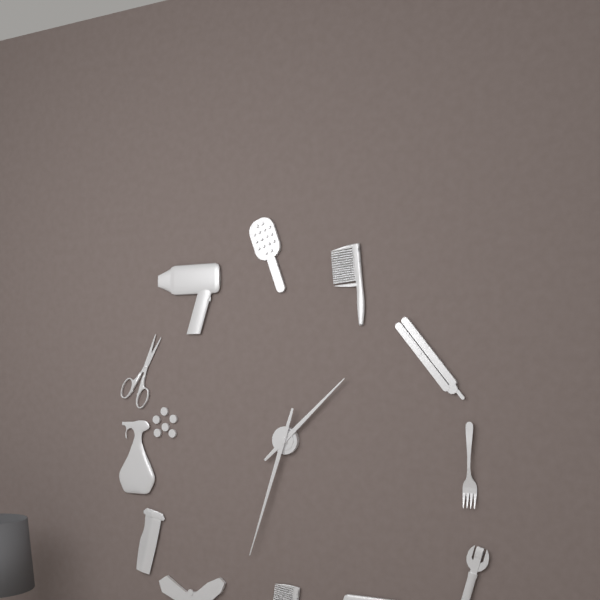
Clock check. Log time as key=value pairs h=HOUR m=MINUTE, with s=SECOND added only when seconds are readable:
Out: h=1 m=33
